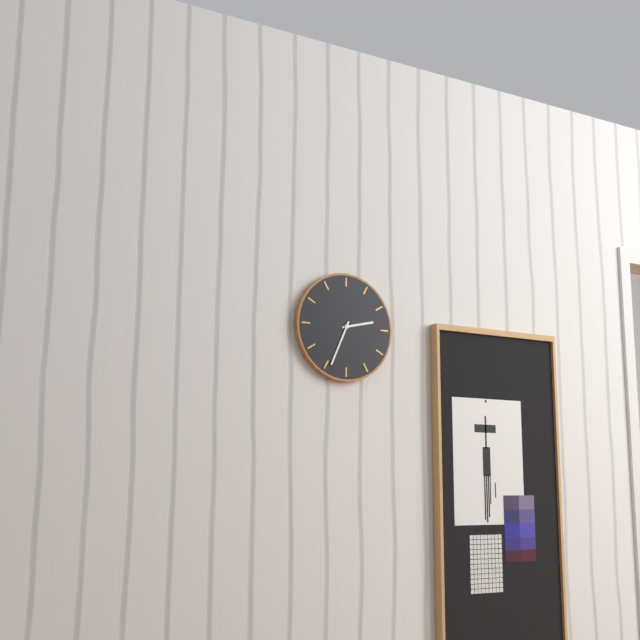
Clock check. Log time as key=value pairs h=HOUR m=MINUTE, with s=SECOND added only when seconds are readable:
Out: h=2 m=34
